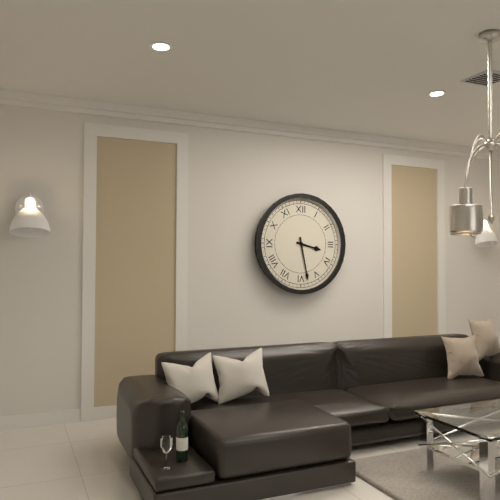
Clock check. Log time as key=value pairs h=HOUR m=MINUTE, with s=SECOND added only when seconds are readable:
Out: h=3 m=28
